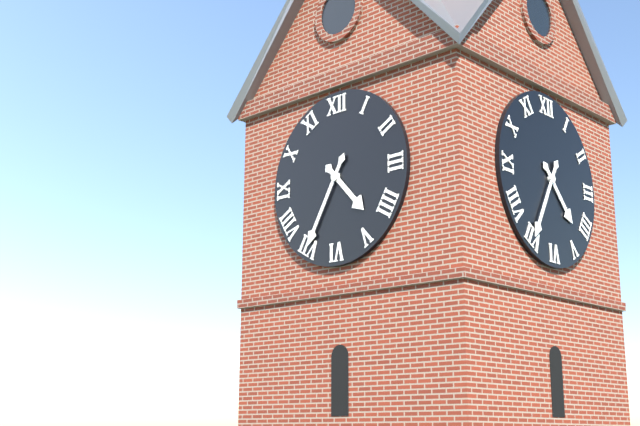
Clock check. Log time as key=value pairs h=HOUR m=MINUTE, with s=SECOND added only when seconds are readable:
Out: h=4 m=35
